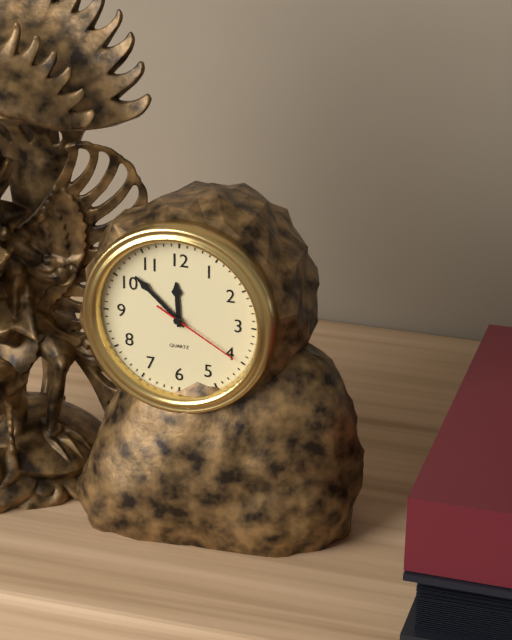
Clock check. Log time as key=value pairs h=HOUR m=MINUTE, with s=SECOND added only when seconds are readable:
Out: h=11 m=52 s=20
